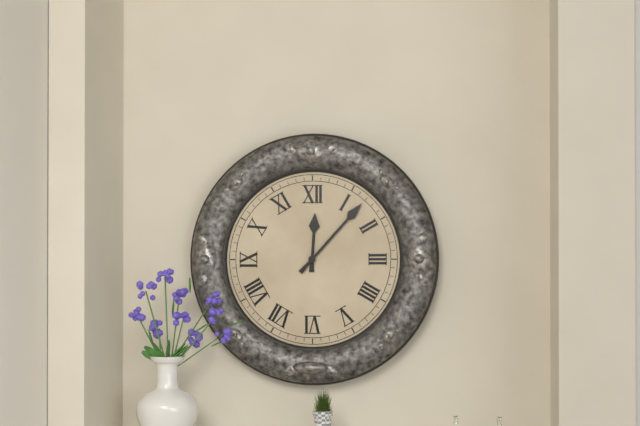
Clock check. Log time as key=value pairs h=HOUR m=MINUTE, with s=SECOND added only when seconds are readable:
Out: h=12 m=7
